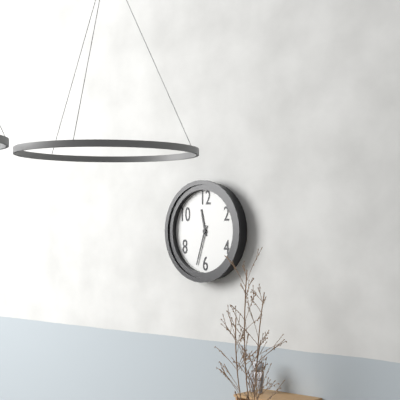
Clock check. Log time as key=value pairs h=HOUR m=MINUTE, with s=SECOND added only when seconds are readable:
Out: h=11 m=33
